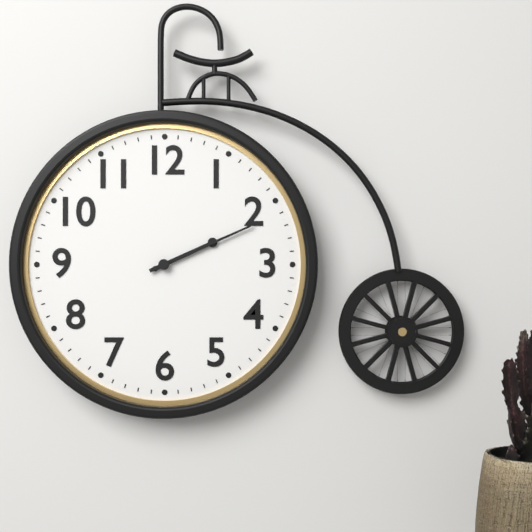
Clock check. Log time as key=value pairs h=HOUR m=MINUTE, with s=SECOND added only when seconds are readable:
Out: h=2 m=11
